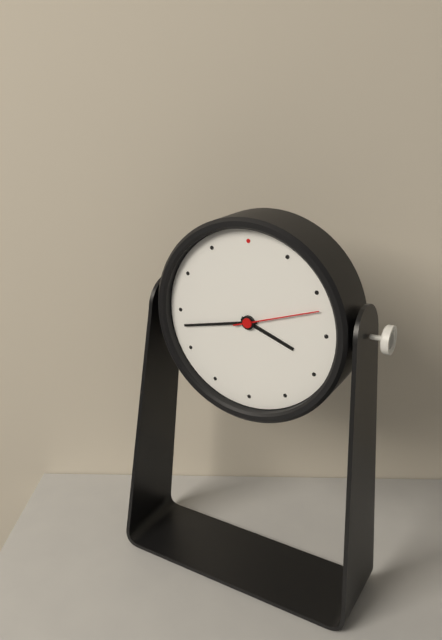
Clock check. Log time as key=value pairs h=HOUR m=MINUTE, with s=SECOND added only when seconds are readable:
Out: h=3 m=43 s=12
